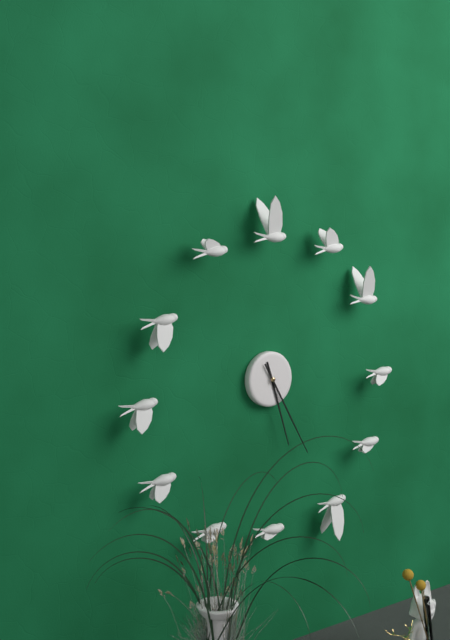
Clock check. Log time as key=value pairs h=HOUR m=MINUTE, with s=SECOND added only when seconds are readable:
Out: h=5 m=25
